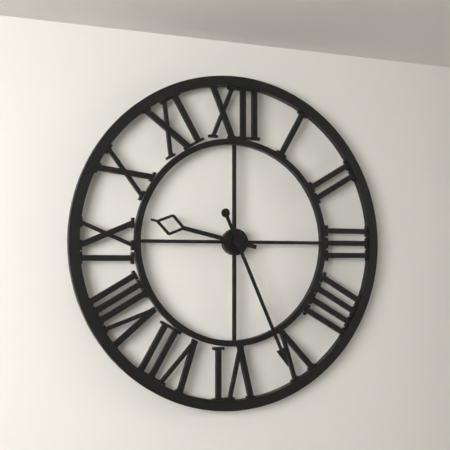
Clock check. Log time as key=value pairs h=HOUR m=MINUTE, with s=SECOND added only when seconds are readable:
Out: h=9 m=26
